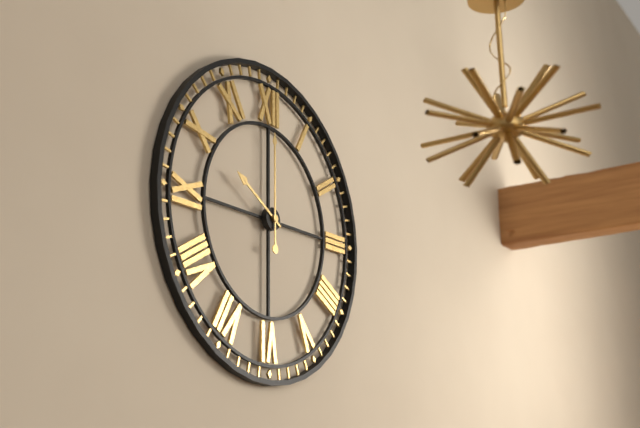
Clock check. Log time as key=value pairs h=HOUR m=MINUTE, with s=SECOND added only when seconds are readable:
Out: h=10 m=0
